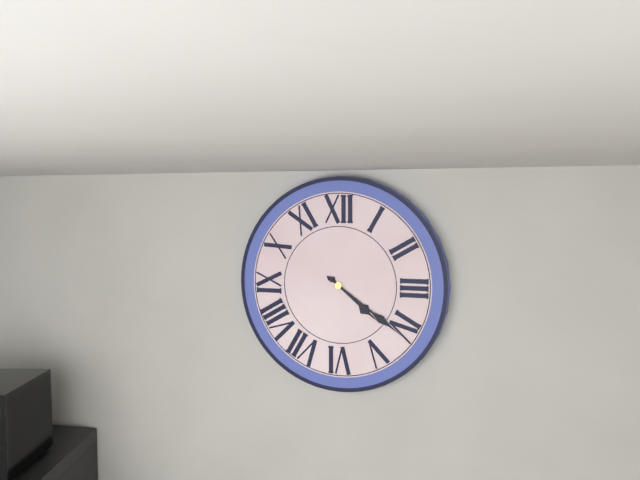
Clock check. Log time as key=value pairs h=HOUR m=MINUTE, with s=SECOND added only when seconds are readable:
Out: h=4 m=21
